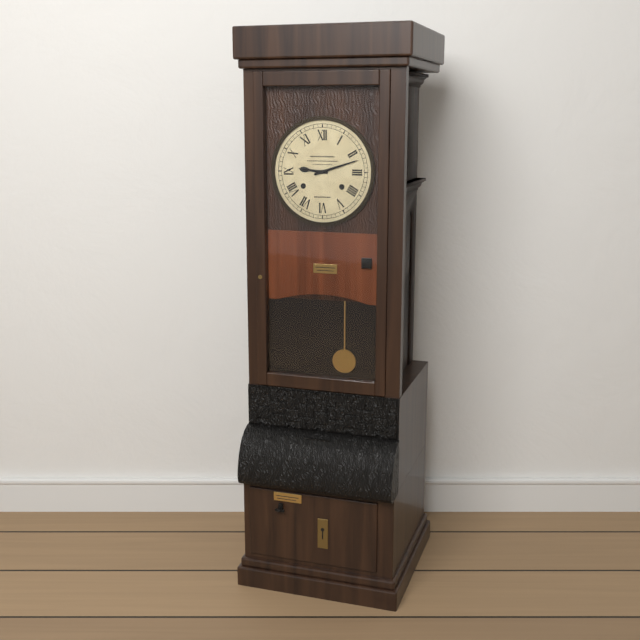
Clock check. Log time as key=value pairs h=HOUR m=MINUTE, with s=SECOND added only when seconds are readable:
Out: h=9 m=12
